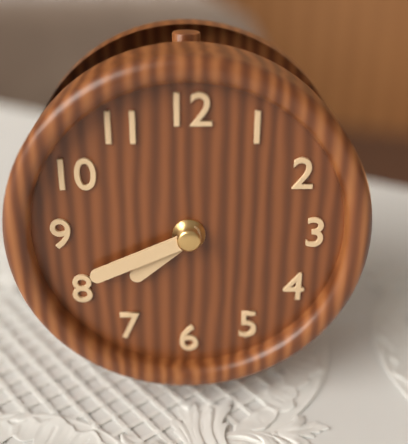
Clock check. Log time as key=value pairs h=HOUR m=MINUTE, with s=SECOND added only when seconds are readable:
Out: h=7 m=41
